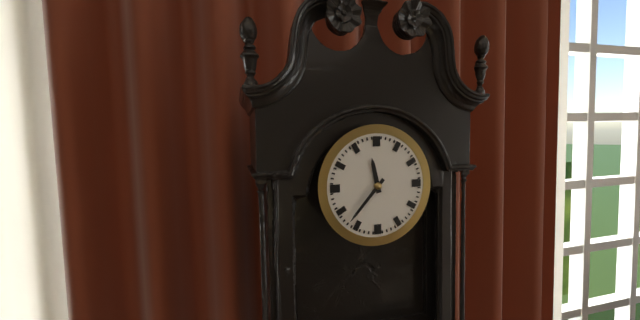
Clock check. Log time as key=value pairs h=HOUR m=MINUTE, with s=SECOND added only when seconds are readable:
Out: h=11 m=37
